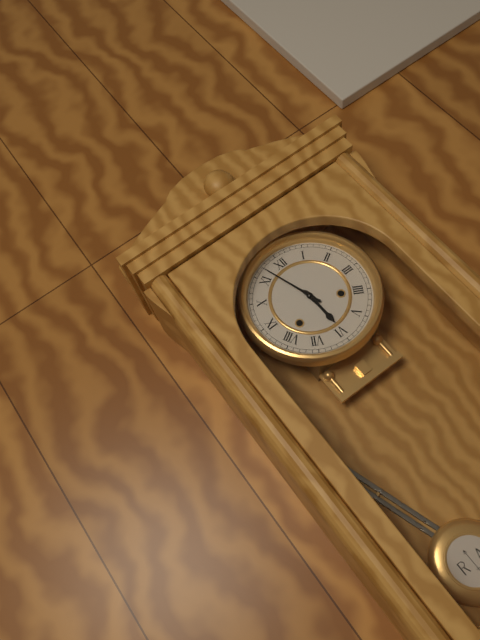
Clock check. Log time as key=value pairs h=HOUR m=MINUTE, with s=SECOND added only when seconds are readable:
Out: h=5 m=57
